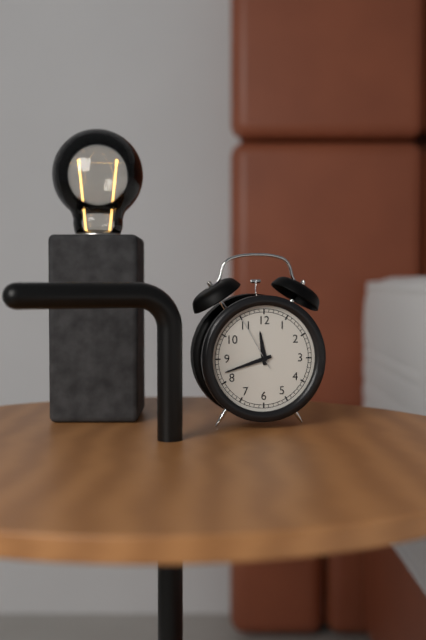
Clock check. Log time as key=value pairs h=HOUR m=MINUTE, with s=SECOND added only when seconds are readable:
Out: h=11 m=42 s=55
